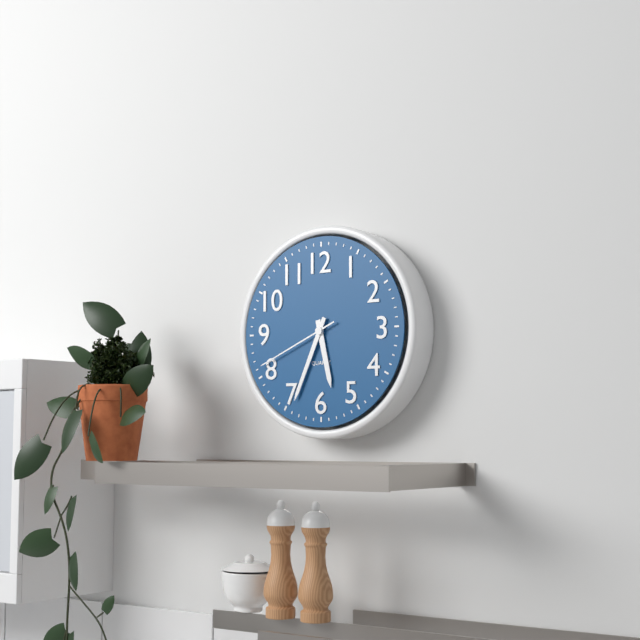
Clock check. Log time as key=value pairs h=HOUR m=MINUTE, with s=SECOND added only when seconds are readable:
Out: h=5 m=34 s=41
